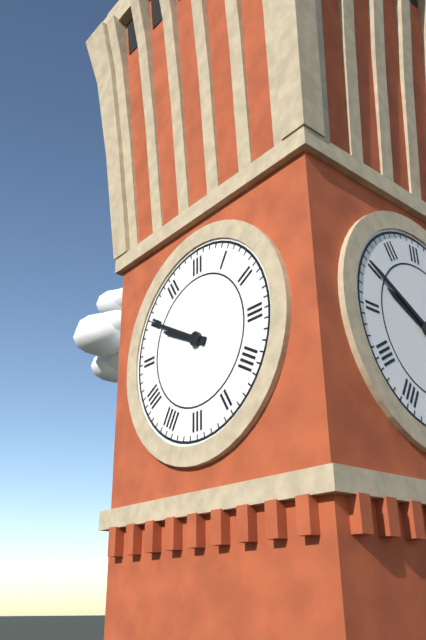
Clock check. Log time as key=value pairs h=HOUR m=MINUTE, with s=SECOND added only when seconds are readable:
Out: h=9 m=50
